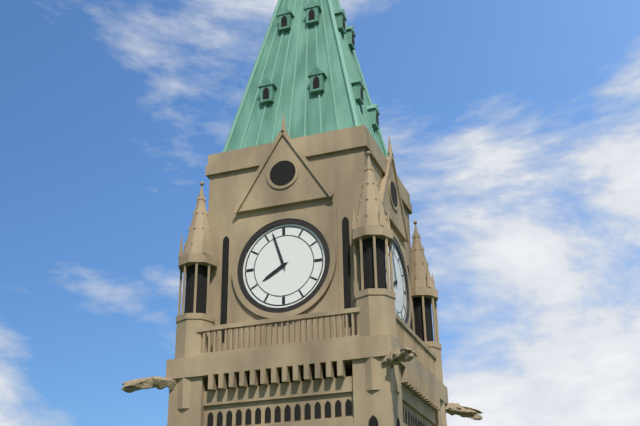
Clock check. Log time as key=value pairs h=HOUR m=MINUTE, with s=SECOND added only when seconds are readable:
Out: h=7 m=57
